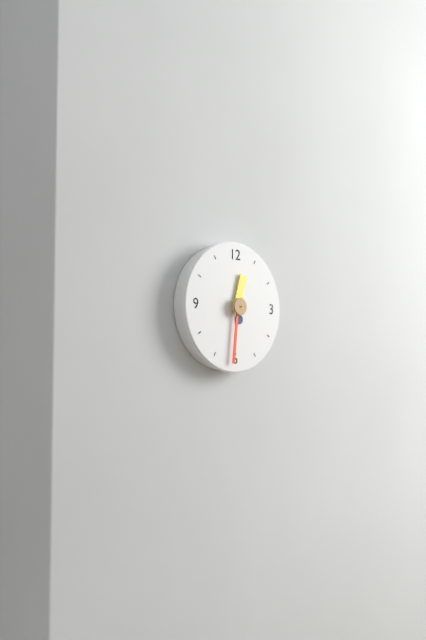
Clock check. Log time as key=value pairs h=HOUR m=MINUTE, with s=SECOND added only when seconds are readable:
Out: h=12 m=31
